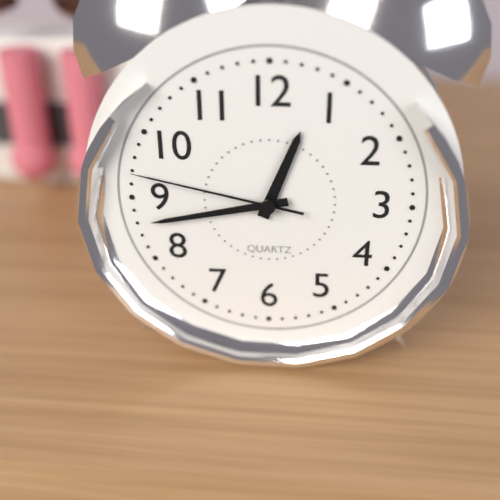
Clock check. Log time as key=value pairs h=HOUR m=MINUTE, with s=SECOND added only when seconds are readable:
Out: h=12 m=43 s=47
